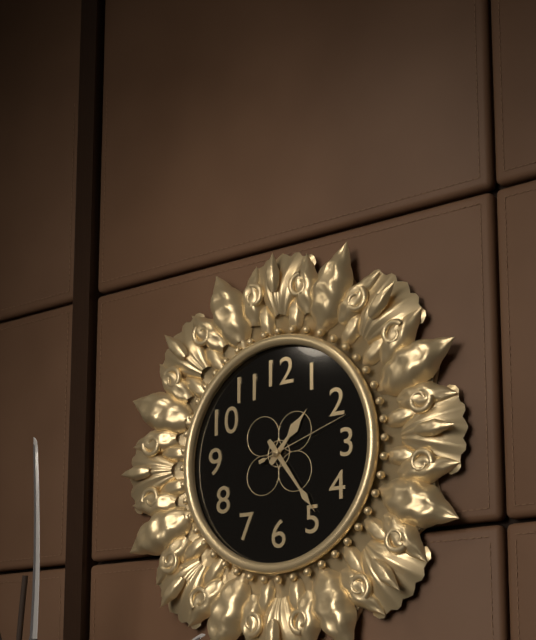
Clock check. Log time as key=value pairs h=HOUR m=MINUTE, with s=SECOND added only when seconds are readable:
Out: h=1 m=24 s=12
